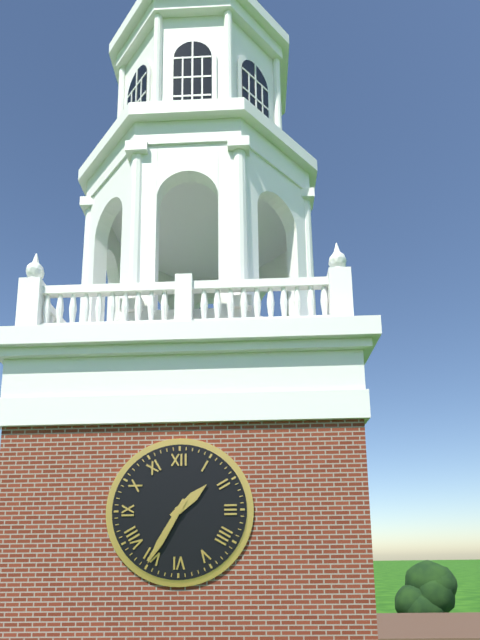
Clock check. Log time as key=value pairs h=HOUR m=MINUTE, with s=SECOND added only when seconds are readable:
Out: h=1 m=35
